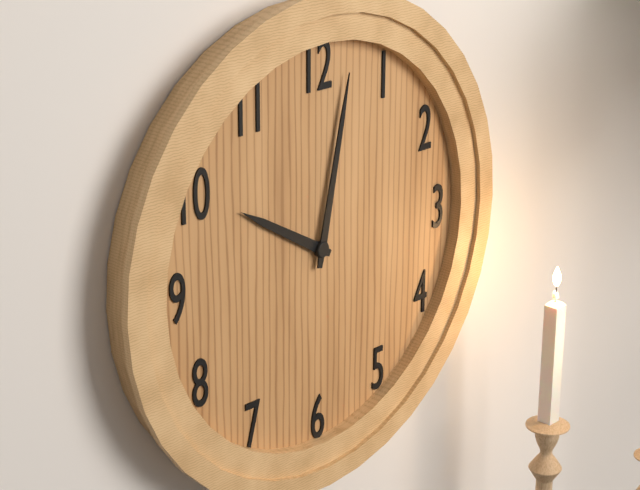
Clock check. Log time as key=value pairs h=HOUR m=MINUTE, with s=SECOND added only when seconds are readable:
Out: h=10 m=2
